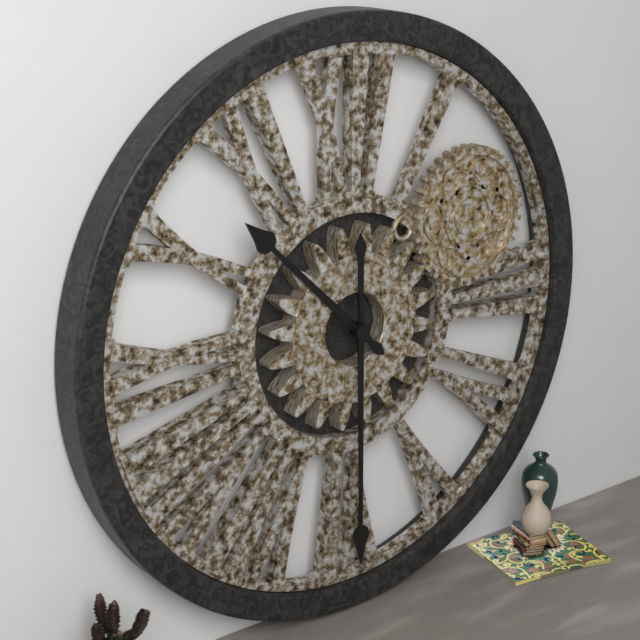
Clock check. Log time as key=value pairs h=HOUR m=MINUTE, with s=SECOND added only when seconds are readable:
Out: h=10 m=30
